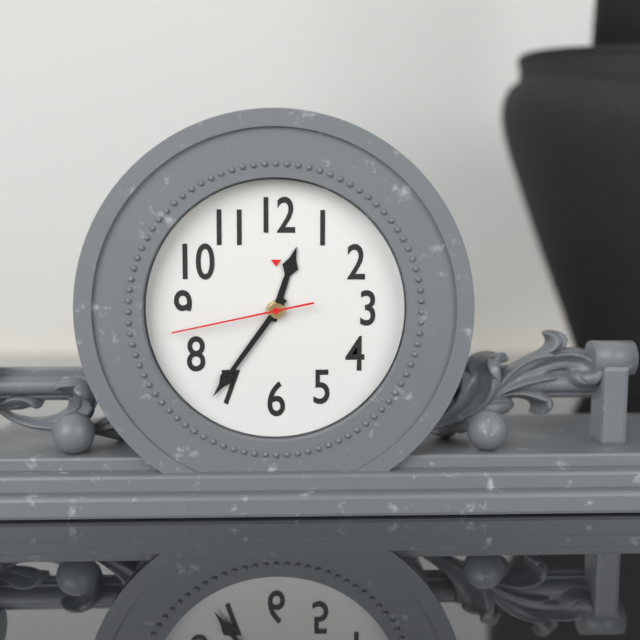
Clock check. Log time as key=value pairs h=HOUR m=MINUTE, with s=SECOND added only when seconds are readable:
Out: h=12 m=36 s=43
